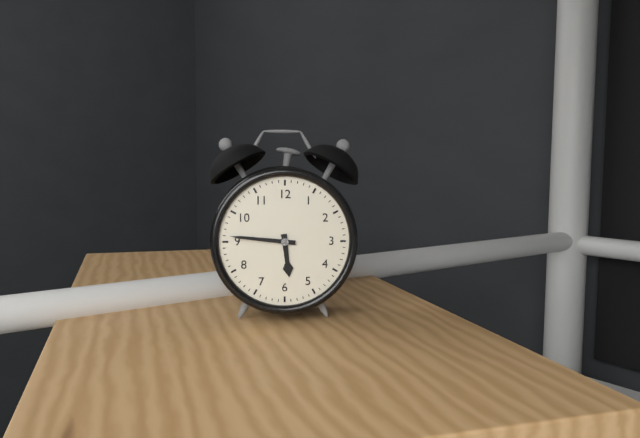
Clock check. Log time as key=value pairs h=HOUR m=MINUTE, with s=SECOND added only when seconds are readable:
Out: h=5 m=46
